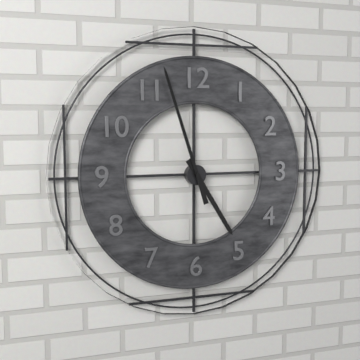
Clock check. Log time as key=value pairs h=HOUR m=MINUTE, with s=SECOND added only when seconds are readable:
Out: h=4 m=57
